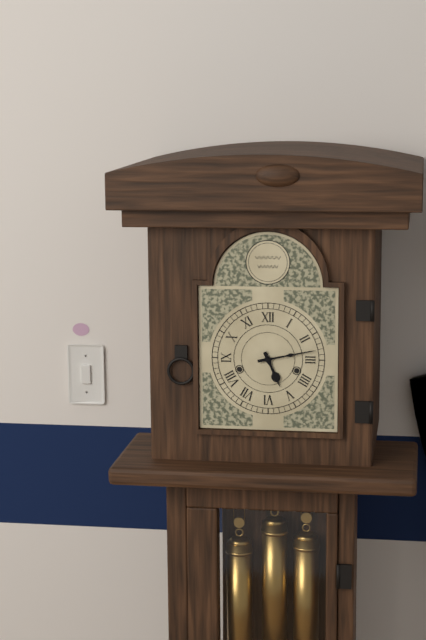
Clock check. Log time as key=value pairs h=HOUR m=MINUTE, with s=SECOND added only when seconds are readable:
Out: h=5 m=13
